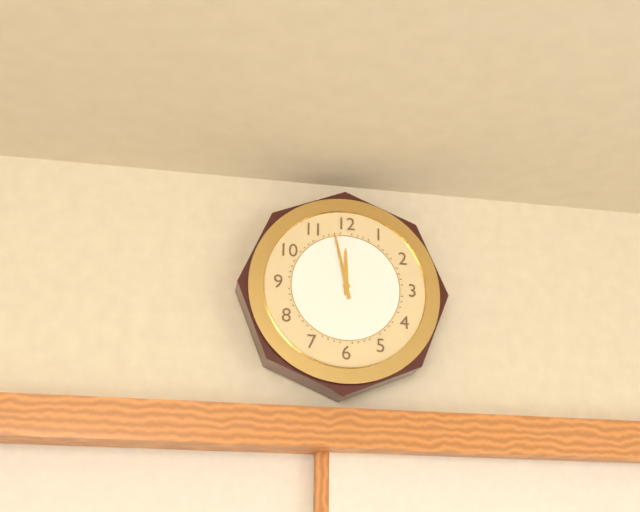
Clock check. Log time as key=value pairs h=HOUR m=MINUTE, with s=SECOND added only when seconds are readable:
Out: h=11 m=58
